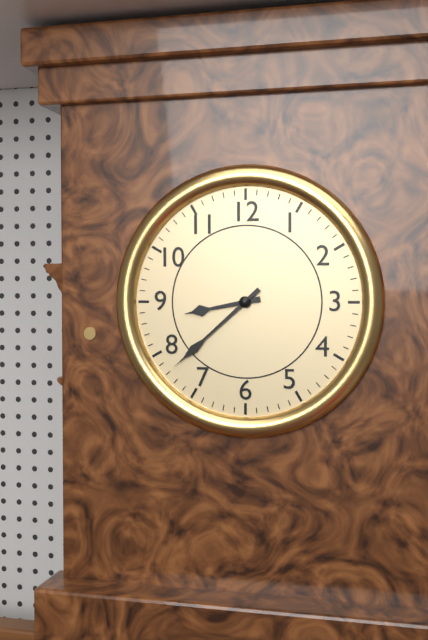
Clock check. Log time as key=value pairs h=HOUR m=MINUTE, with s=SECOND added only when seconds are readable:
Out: h=8 m=38
